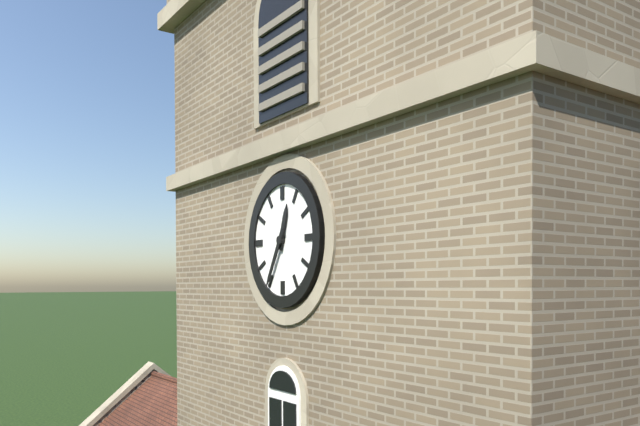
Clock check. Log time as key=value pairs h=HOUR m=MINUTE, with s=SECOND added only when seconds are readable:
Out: h=12 m=35
